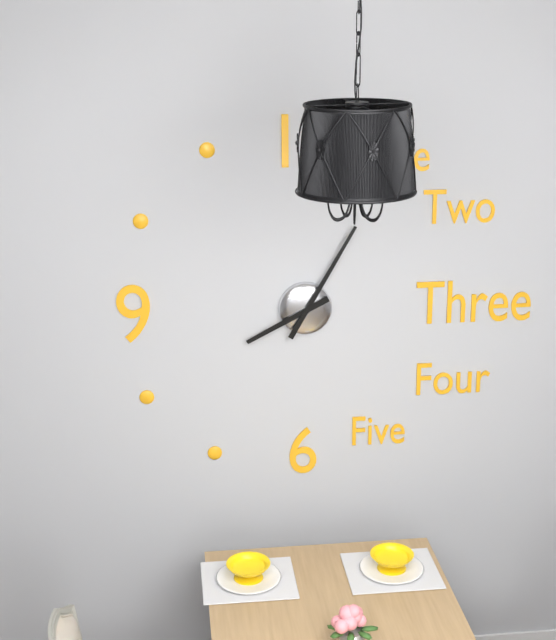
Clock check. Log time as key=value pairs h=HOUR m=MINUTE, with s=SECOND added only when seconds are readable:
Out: h=8 m=5
